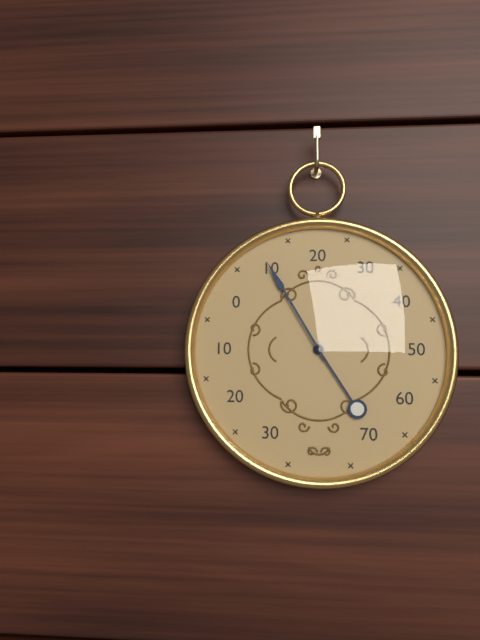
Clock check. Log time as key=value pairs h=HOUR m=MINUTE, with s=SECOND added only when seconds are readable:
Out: h=4 m=55
